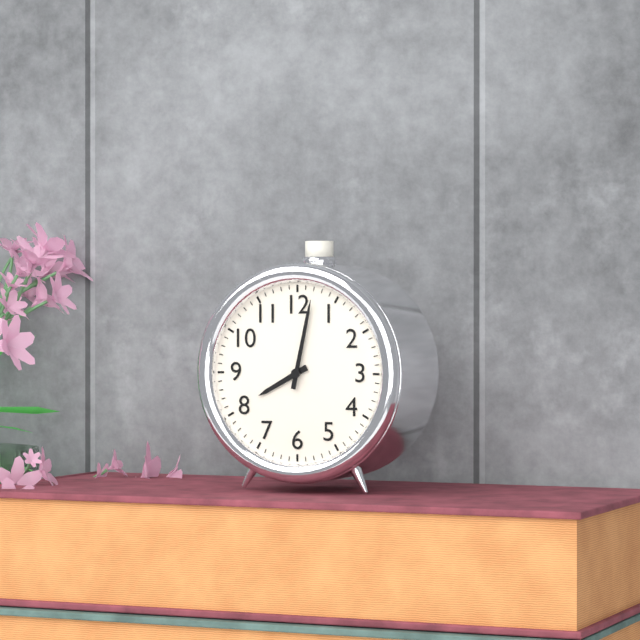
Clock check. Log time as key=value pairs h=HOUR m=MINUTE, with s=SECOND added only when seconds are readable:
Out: h=8 m=2
